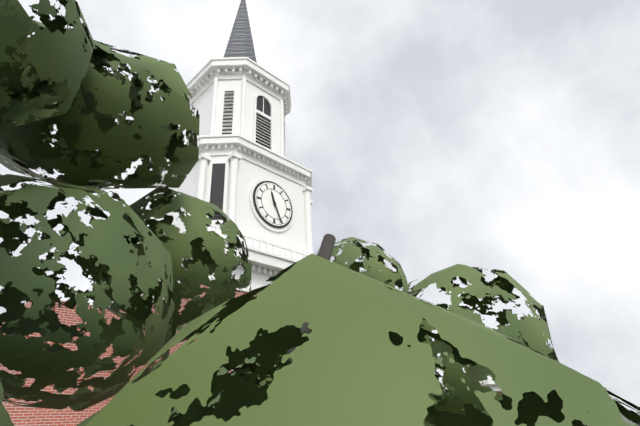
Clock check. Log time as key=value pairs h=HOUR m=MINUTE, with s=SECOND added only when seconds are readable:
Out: h=11 m=26
